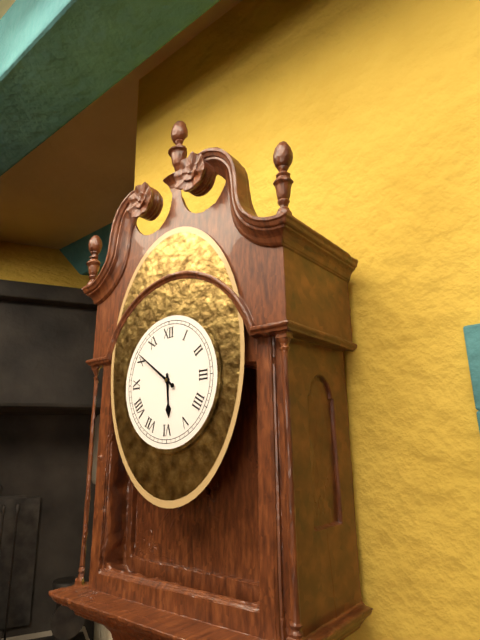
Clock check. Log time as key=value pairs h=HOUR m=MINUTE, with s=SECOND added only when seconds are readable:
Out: h=5 m=51
